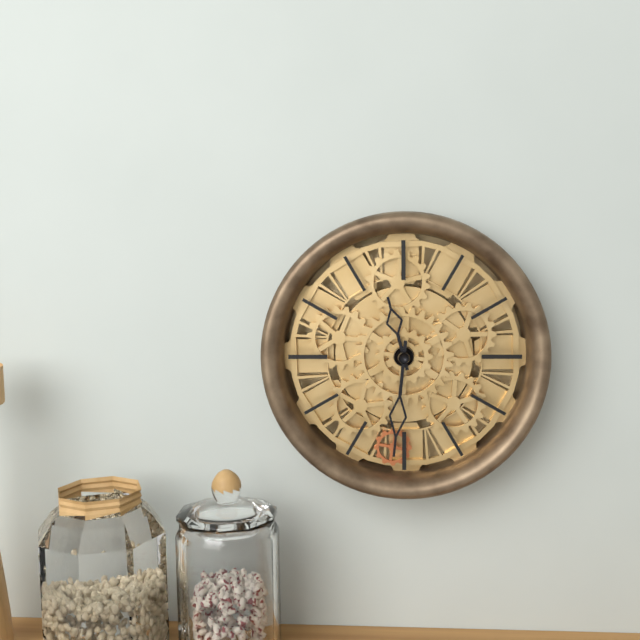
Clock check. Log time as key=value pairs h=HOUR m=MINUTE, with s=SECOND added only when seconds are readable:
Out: h=11 m=31
